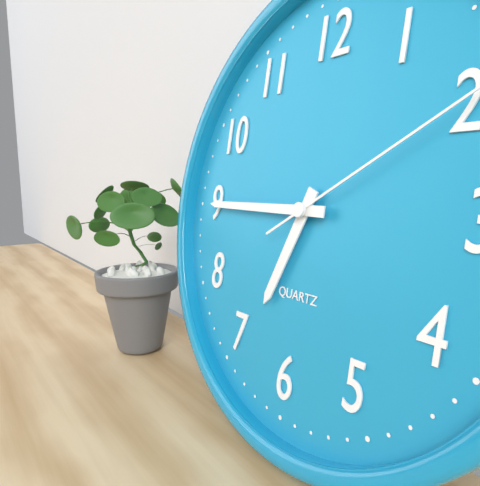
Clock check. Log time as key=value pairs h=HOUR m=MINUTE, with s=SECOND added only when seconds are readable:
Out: h=6 m=45
